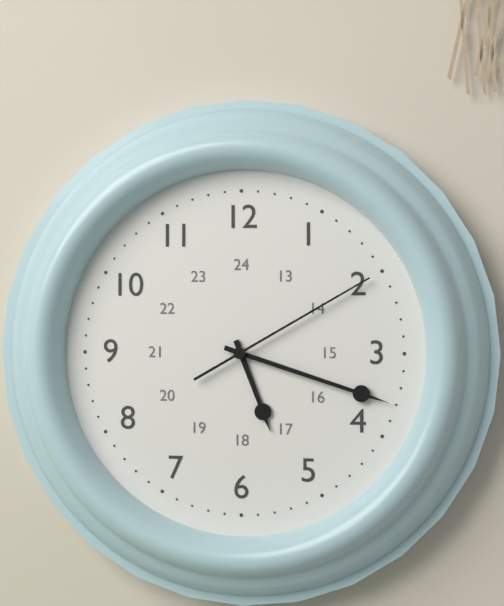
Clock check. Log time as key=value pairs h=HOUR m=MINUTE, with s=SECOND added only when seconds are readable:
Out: h=5 m=18 s=10
